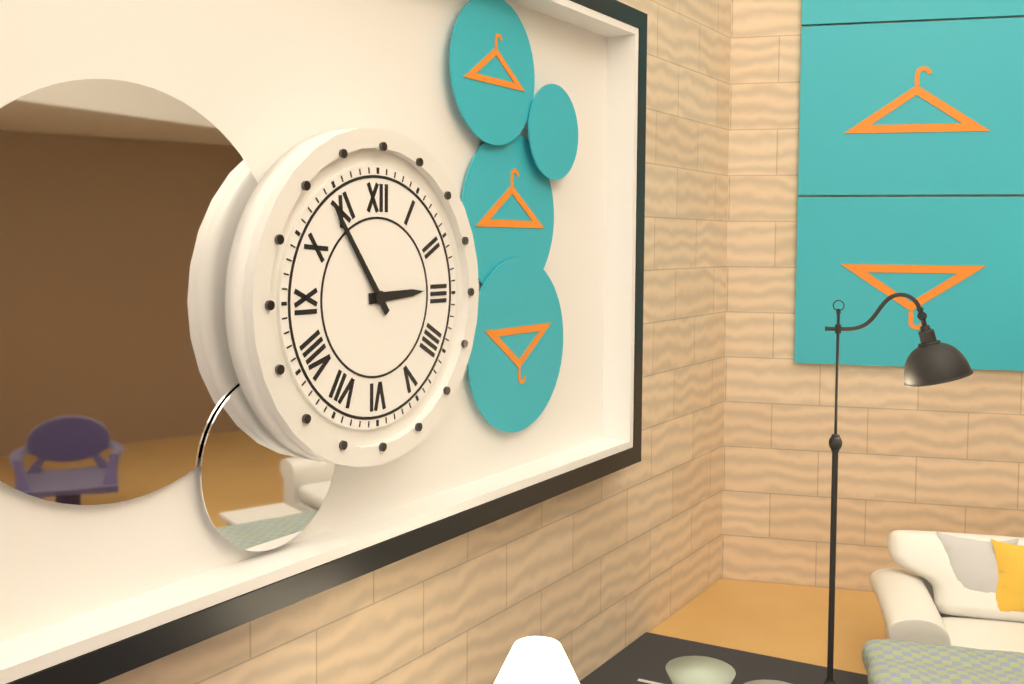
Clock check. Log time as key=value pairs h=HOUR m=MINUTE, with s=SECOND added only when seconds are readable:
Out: h=2 m=54
